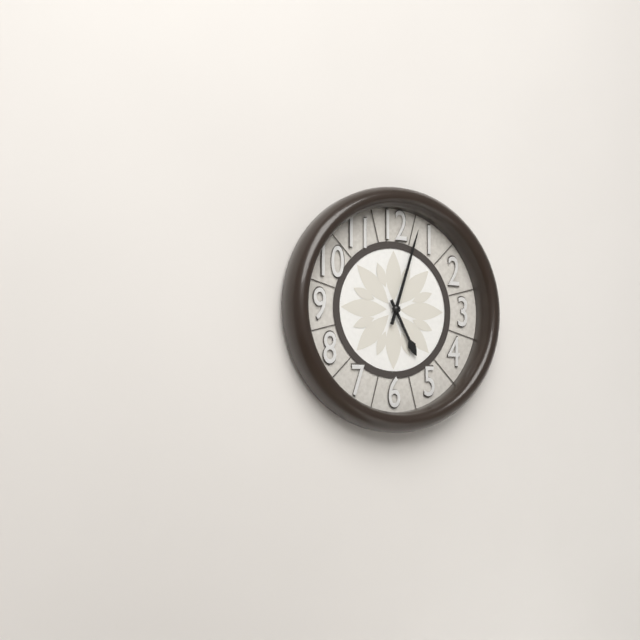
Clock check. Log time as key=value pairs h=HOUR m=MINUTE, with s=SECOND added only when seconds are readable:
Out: h=5 m=3
